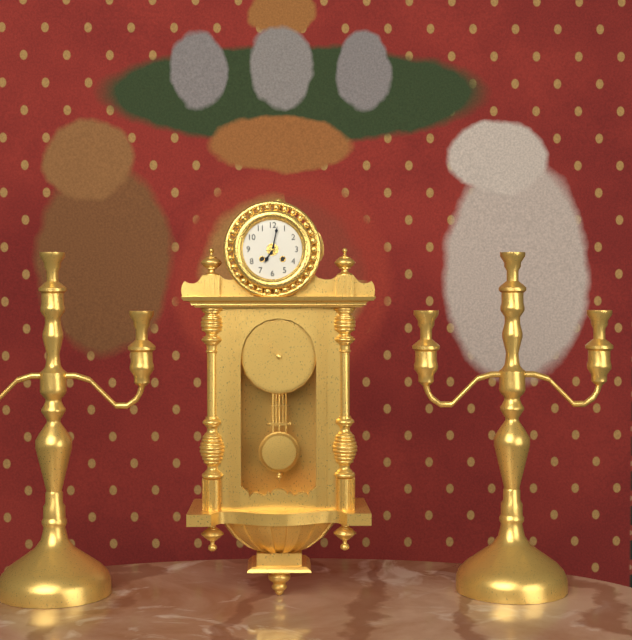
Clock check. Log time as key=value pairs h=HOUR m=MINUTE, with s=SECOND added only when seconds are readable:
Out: h=7 m=2
